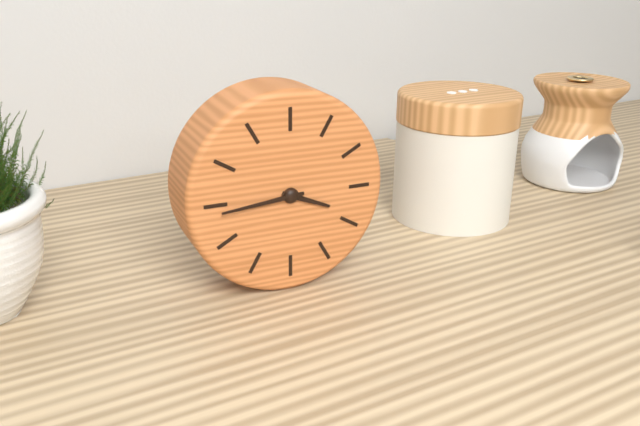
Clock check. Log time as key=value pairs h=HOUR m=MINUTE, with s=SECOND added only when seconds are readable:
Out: h=3 m=44
